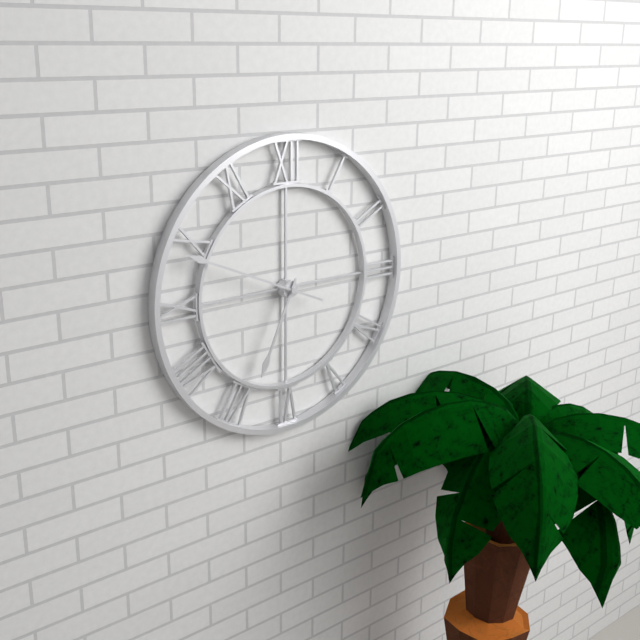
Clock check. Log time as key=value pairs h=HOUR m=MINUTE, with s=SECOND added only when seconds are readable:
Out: h=6 m=49
